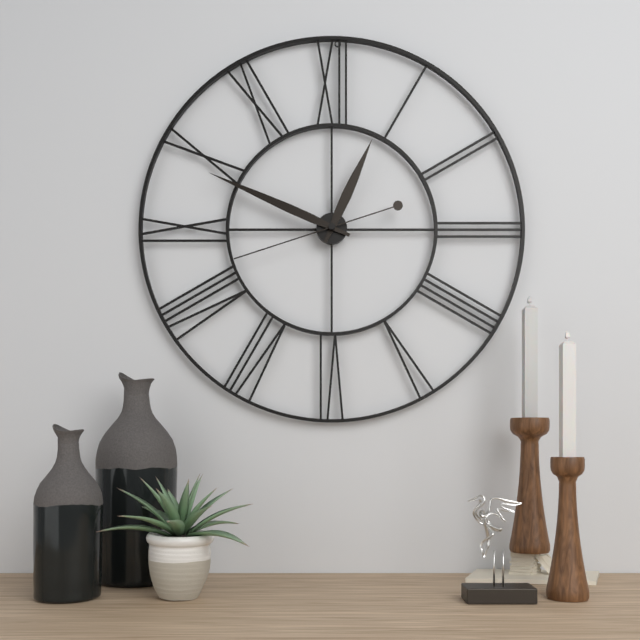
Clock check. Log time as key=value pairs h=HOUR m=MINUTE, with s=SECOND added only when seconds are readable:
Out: h=12 m=49 s=42
